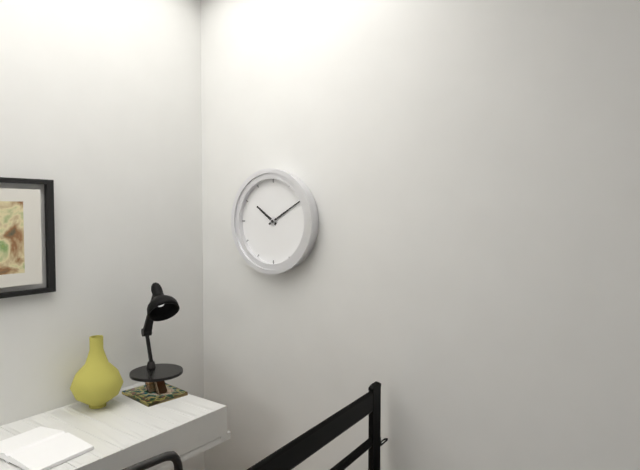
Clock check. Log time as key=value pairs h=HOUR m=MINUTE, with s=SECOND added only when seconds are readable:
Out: h=10 m=10
